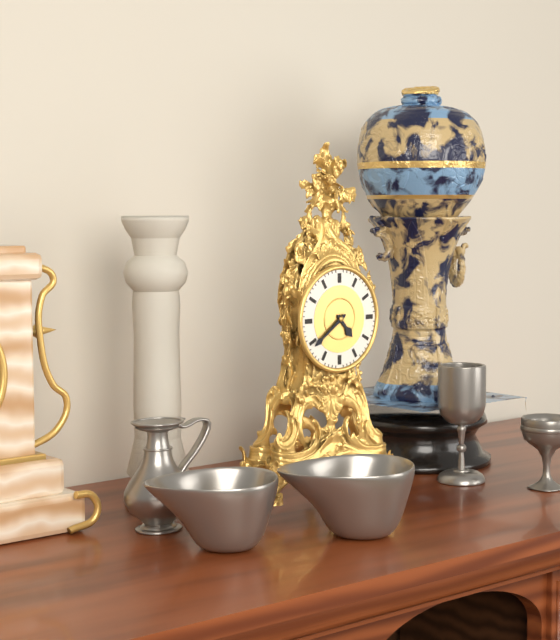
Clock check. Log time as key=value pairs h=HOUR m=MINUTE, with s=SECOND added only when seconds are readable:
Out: h=4 m=39
